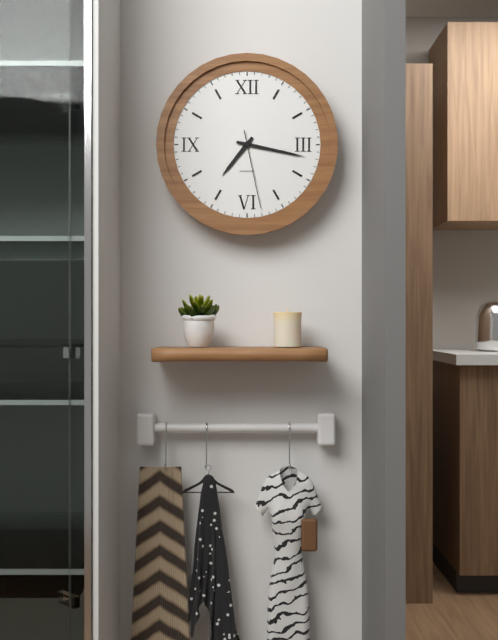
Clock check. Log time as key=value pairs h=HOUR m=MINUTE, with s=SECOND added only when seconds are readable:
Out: h=7 m=17 s=28
